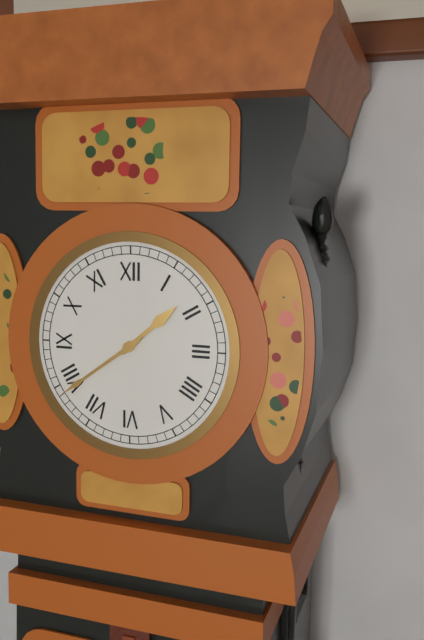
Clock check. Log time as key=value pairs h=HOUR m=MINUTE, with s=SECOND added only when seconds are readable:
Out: h=1 m=39
